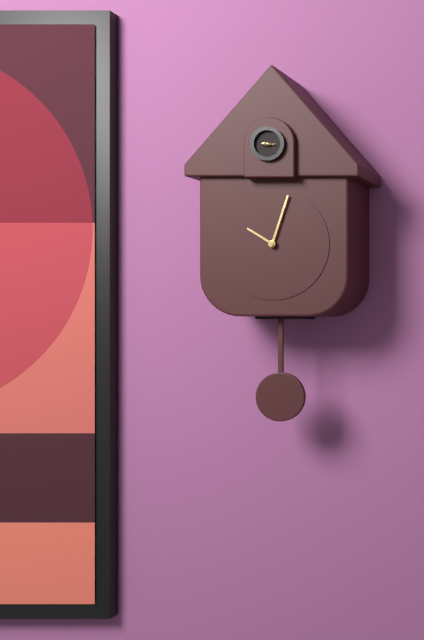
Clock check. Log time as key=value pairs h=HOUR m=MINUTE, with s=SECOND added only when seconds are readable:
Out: h=10 m=3
